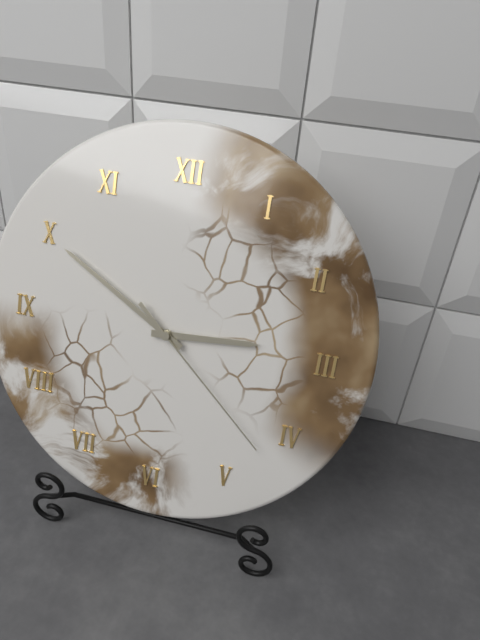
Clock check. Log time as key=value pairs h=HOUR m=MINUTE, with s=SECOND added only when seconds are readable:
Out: h=2 m=50 s=22
